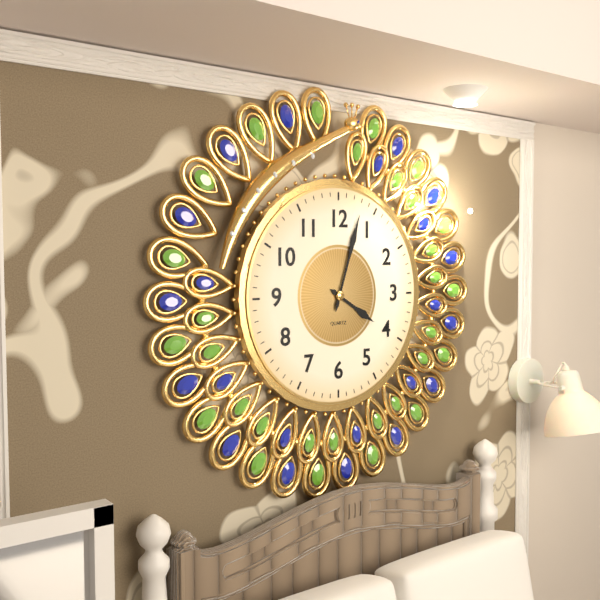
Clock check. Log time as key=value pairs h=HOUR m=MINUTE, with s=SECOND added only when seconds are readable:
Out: h=4 m=3
